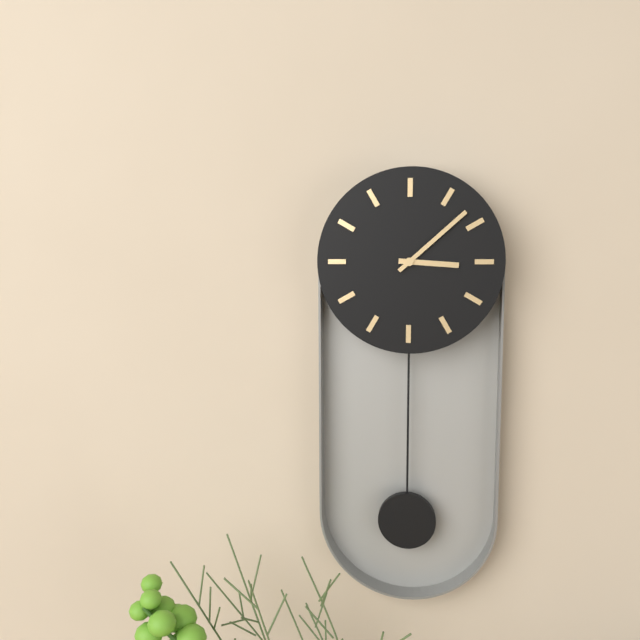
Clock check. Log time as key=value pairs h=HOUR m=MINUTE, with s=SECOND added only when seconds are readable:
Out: h=3 m=8
